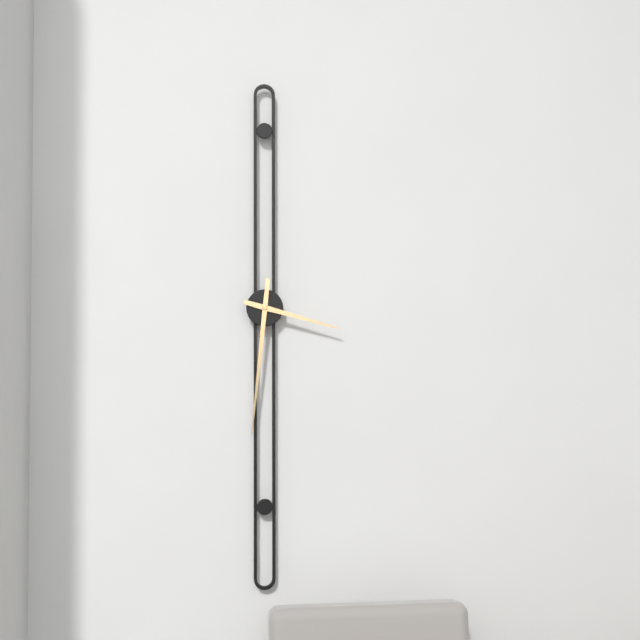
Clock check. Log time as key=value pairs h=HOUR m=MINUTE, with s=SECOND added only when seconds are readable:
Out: h=3 m=31
